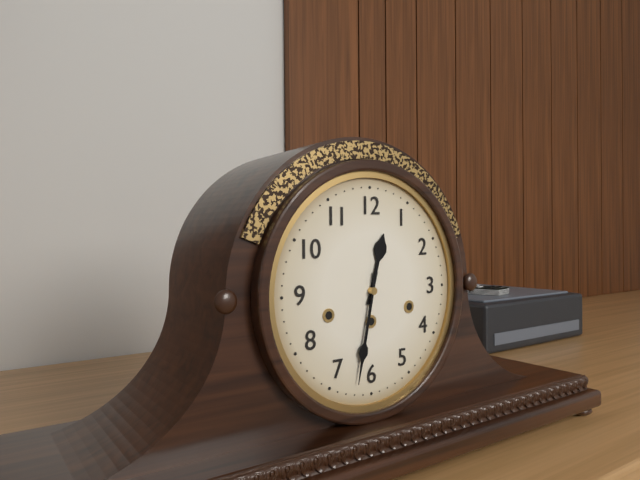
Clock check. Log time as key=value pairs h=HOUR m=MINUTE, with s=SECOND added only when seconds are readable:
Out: h=12 m=32
